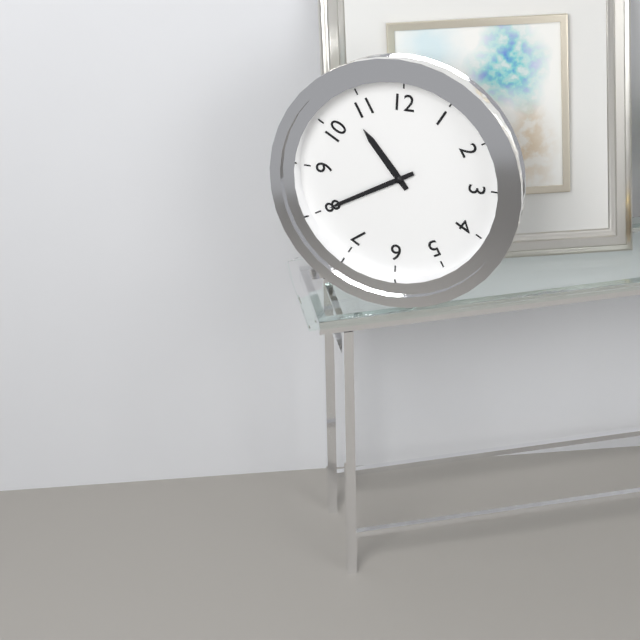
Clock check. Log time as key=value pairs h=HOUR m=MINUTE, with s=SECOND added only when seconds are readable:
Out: h=10 m=40
